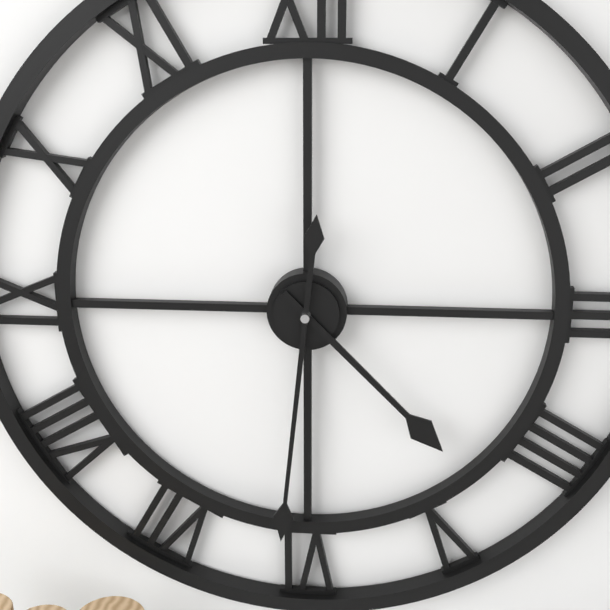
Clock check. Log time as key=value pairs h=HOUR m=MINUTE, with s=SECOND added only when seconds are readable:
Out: h=4 m=31
